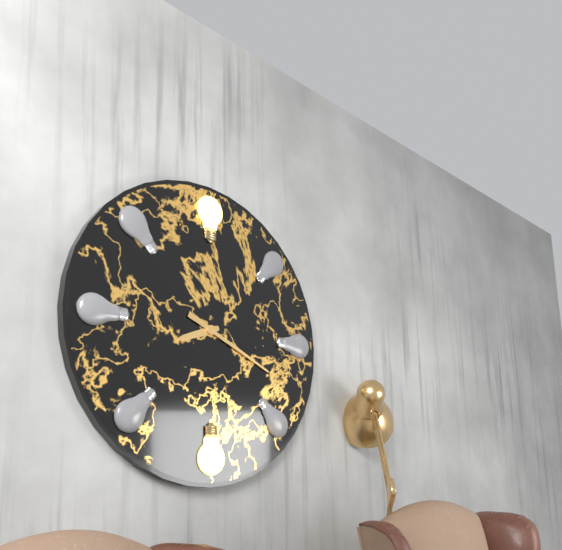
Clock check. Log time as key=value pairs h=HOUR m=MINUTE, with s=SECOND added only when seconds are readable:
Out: h=8 m=19
